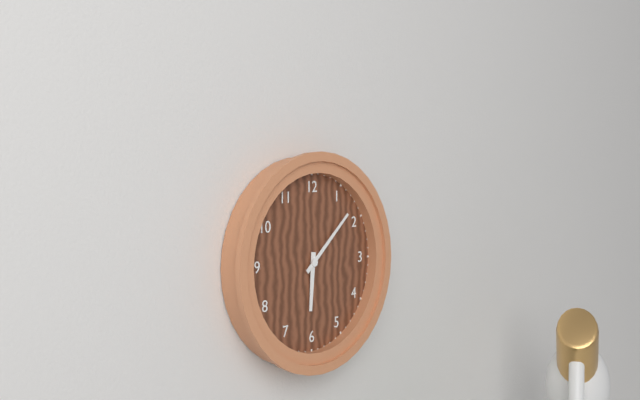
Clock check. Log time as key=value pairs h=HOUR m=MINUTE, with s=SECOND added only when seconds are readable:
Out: h=6 m=8
